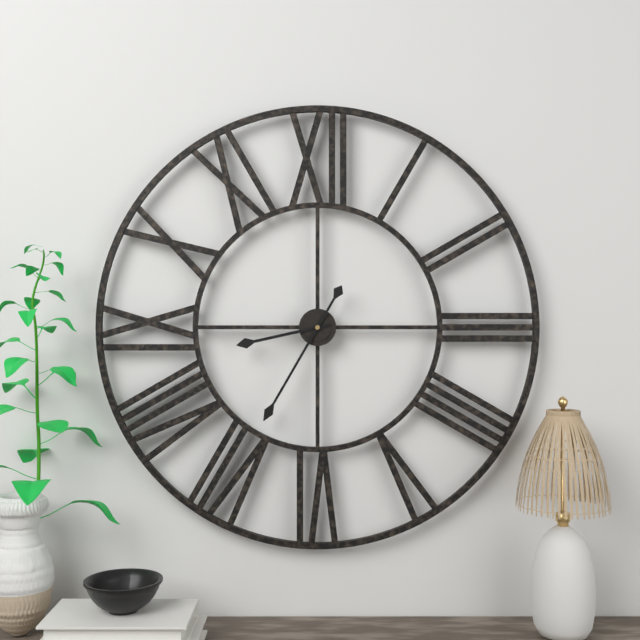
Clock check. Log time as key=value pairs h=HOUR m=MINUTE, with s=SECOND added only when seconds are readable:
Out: h=8 m=35
